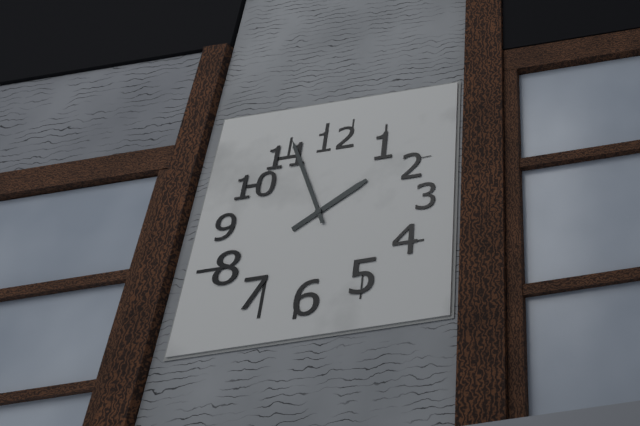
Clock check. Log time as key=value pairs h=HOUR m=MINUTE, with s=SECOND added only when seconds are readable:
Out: h=1 m=56
